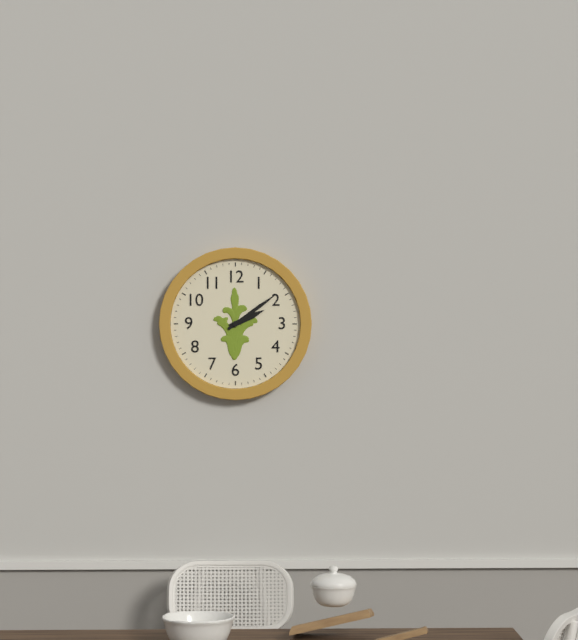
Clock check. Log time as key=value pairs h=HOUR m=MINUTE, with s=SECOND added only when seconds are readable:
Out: h=2 m=9
